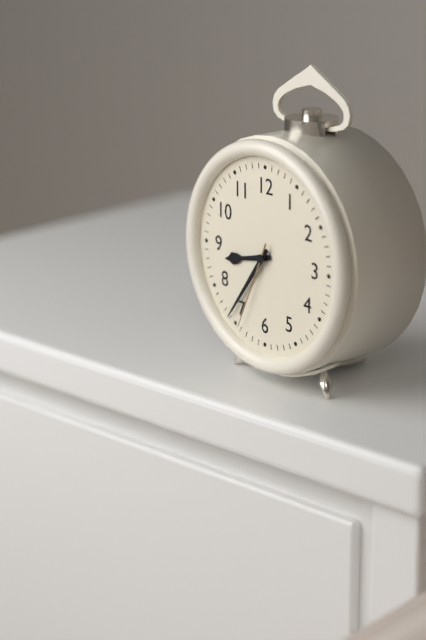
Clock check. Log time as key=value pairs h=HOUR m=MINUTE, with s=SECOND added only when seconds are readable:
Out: h=8 m=36 s=34
